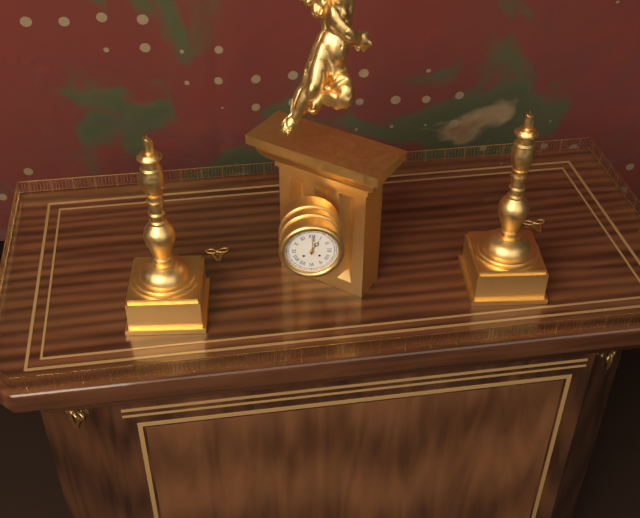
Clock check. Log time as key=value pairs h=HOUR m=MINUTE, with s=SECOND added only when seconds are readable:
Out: h=1 m=1
